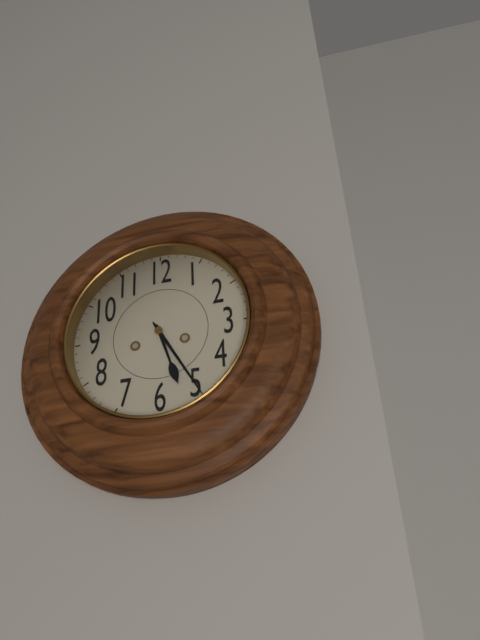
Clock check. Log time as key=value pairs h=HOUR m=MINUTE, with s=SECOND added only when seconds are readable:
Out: h=5 m=25
